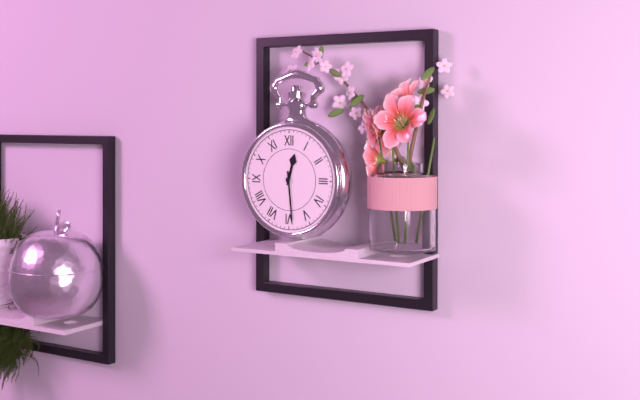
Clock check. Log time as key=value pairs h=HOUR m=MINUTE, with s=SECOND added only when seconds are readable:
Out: h=12 m=29
